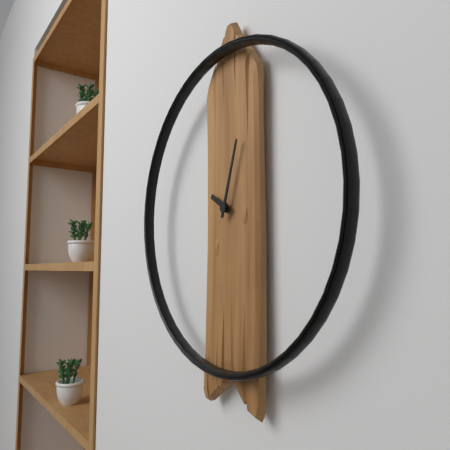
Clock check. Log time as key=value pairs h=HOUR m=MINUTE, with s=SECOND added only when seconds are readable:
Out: h=10 m=3
